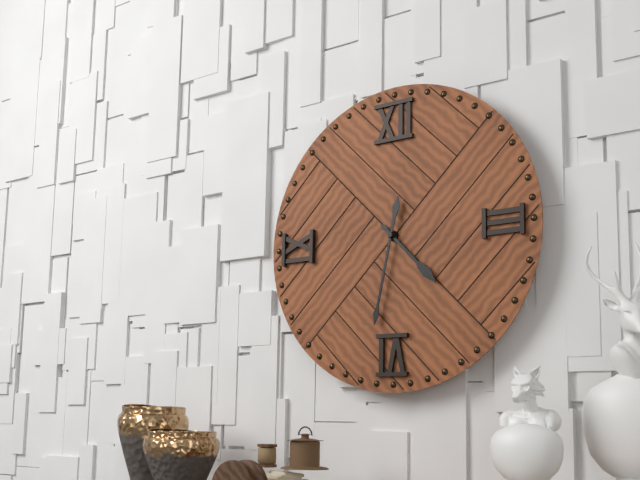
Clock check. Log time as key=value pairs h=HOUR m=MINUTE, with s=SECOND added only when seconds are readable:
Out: h=4 m=32
